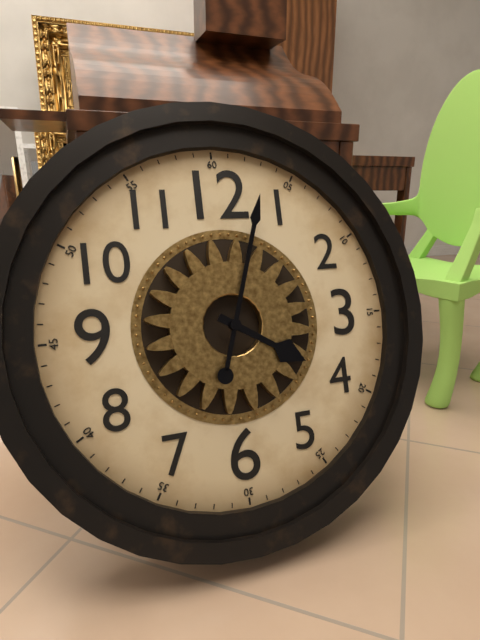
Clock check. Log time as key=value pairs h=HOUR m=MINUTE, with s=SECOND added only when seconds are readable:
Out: h=4 m=3
